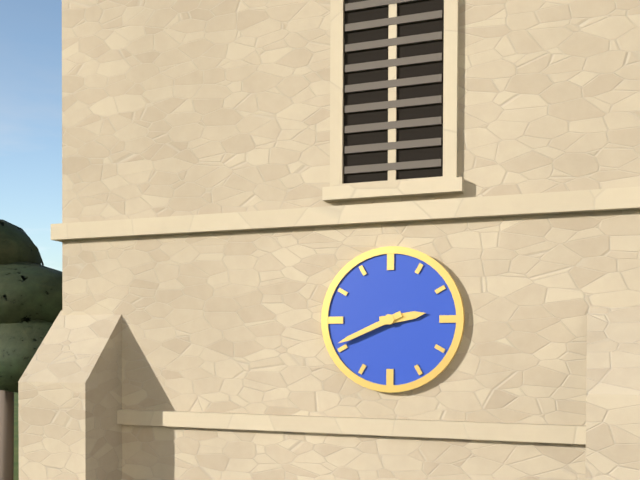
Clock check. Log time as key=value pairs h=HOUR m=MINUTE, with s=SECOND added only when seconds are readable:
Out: h=2 m=41
